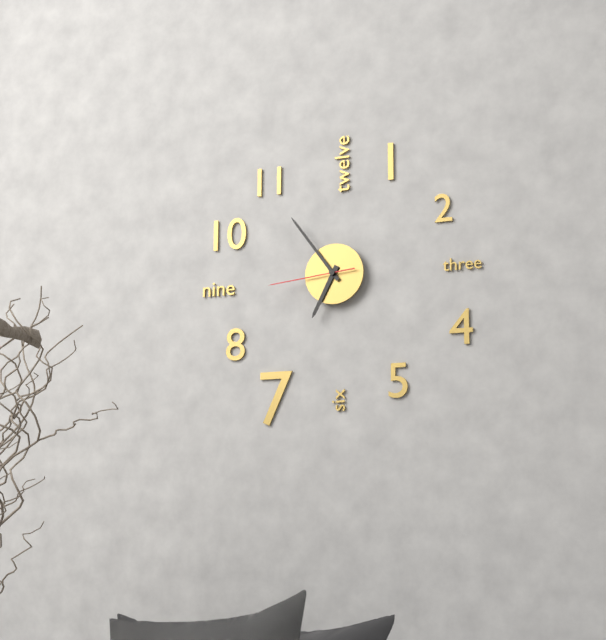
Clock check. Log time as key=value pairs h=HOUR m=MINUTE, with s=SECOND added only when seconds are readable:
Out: h=6 m=54 s=44
